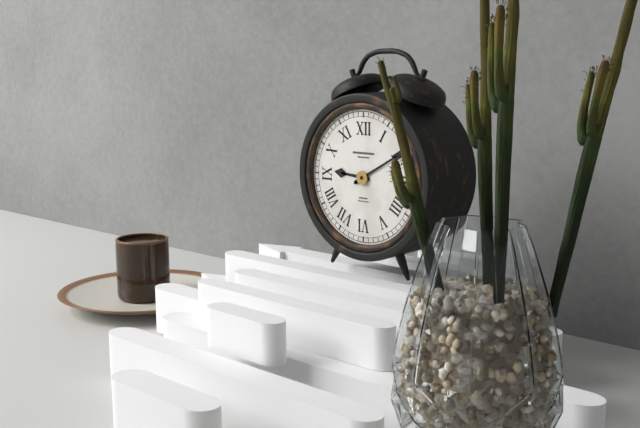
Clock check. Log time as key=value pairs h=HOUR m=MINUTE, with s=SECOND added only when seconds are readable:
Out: h=9 m=10
